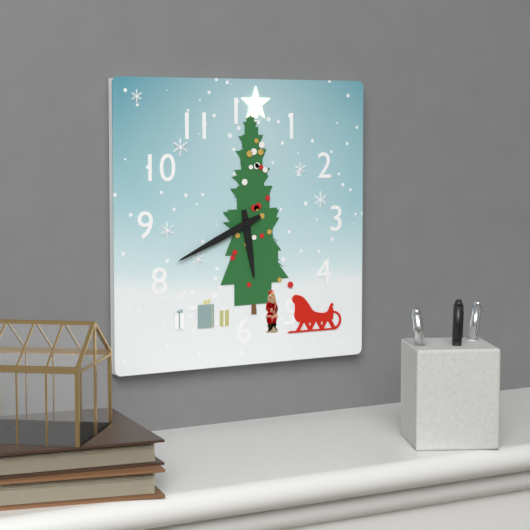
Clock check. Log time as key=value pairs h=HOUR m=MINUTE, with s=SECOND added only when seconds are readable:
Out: h=5 m=41
